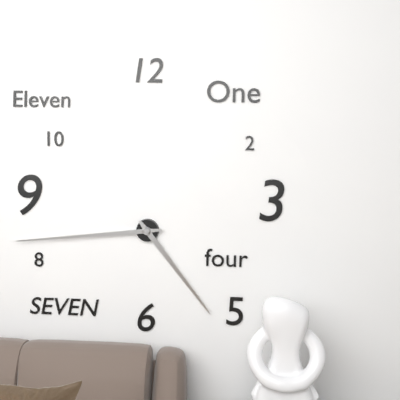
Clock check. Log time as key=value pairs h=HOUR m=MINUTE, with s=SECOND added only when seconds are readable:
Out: h=4 m=44
